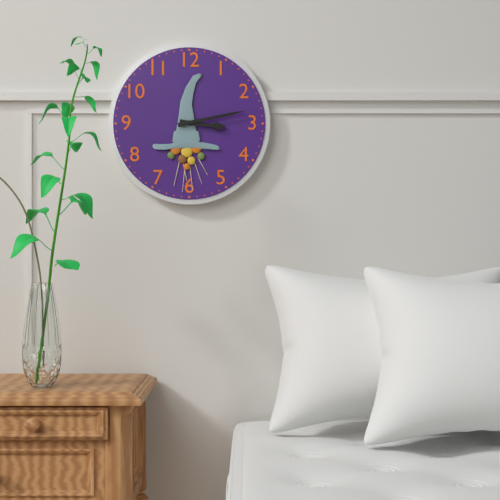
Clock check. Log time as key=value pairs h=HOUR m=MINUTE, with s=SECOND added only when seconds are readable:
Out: h=3 m=13
